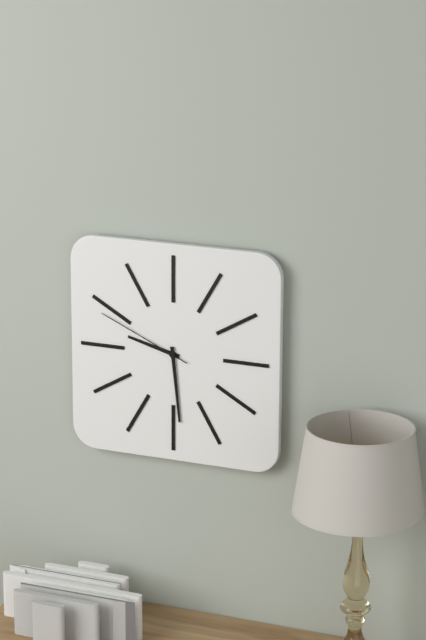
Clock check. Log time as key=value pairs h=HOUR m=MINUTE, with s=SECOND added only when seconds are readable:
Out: h=9 m=29 s=49
